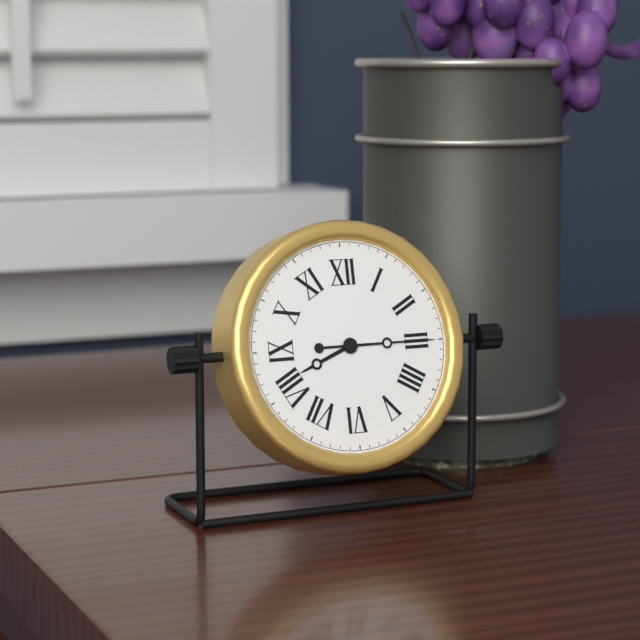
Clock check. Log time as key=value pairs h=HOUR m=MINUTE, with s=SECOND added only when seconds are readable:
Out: h=8 m=15
